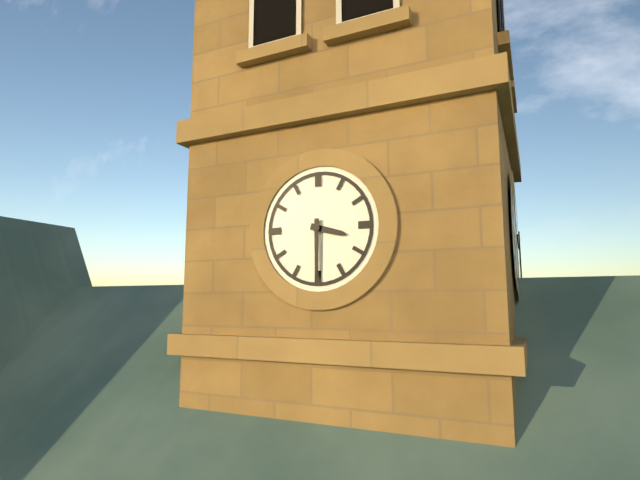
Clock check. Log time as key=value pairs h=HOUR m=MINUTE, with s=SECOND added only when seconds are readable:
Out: h=3 m=30
